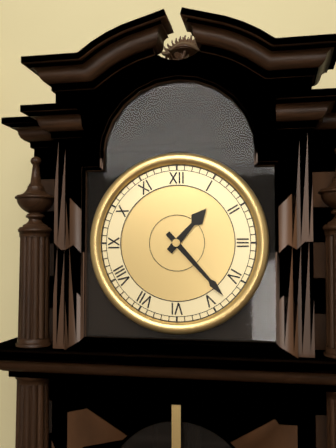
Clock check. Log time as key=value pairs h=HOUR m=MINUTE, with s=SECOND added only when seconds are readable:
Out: h=1 m=23
